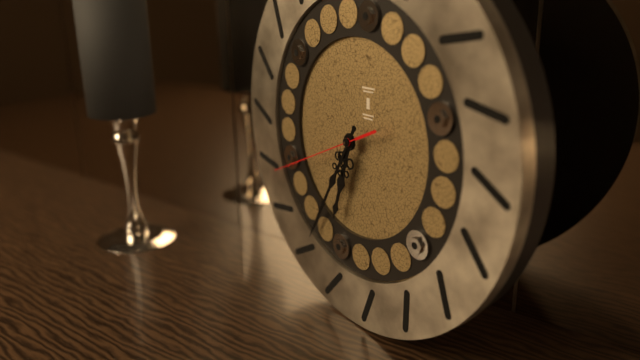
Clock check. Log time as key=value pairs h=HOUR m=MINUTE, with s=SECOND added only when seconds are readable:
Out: h=6 m=35 s=41
